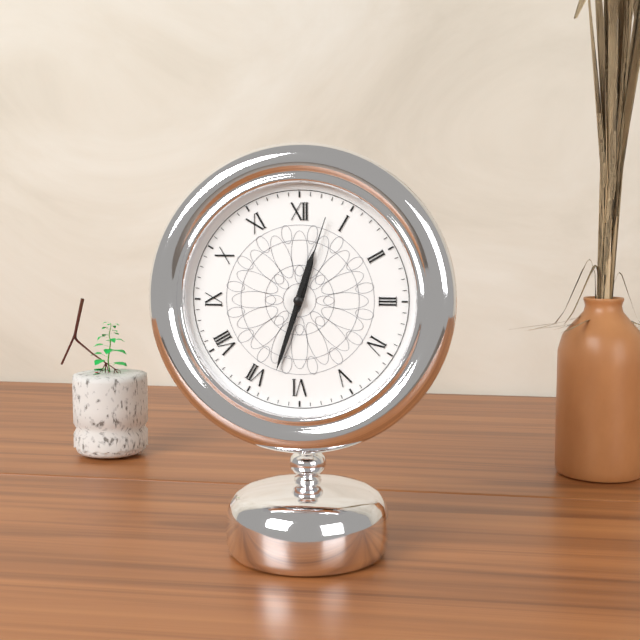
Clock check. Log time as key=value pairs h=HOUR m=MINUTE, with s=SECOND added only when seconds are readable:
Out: h=12 m=33 s=3
